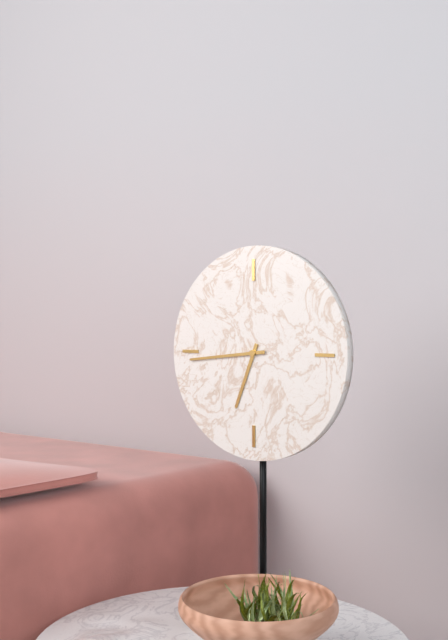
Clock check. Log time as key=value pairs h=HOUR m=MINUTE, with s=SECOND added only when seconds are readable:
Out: h=6 m=44
